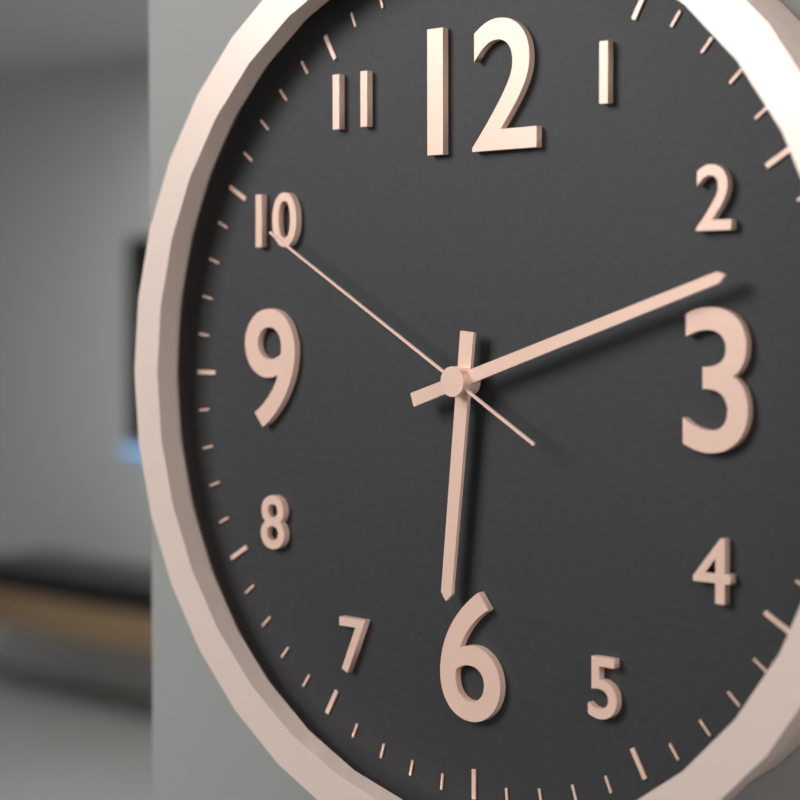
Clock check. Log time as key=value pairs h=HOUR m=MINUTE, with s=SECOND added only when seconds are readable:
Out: h=6 m=12 s=50
